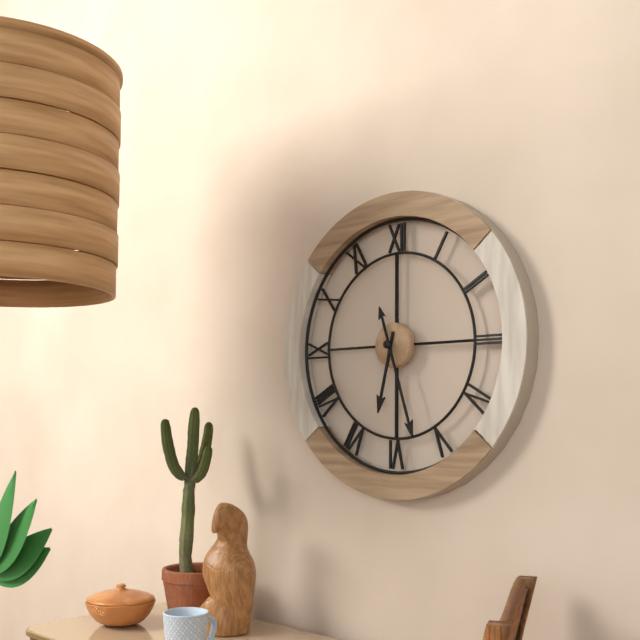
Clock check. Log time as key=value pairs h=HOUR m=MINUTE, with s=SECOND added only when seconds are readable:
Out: h=6 m=27
